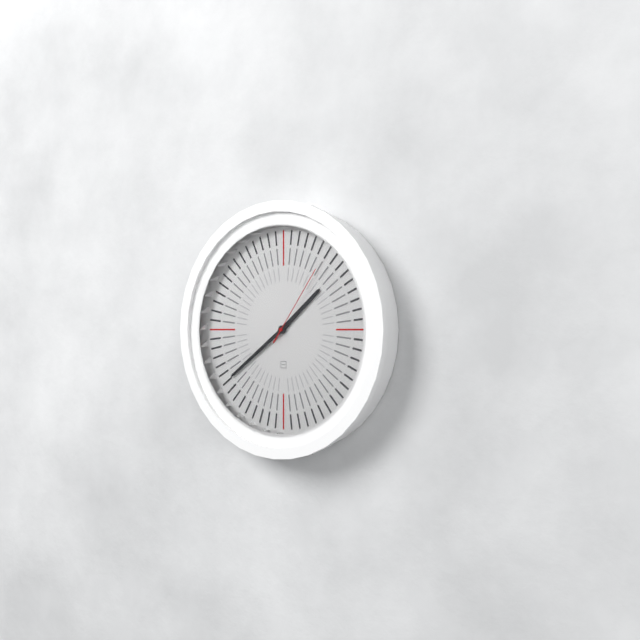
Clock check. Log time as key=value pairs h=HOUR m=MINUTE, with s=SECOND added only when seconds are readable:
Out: h=1 m=39 s=6
